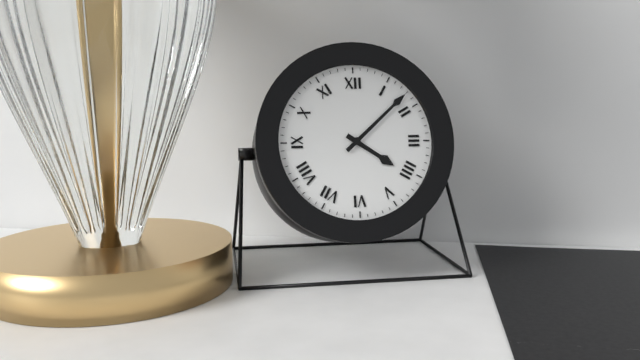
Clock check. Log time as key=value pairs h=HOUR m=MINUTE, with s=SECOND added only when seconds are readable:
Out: h=4 m=8
